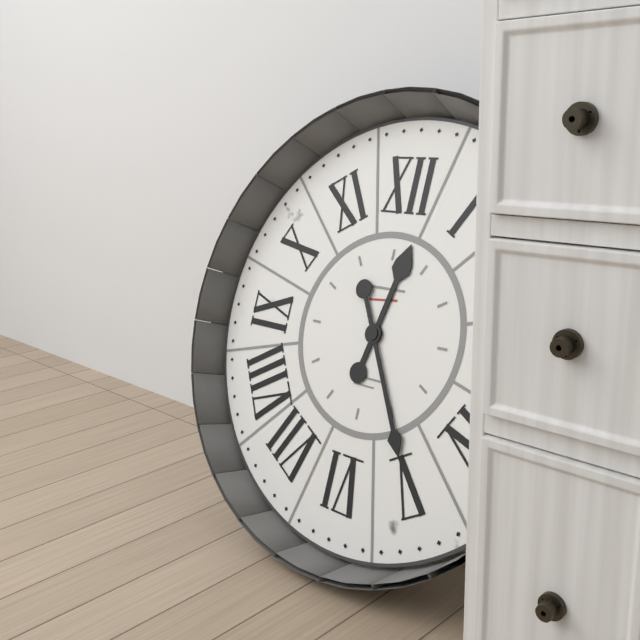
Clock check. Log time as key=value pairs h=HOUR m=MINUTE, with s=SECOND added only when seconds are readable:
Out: h=12 m=25
